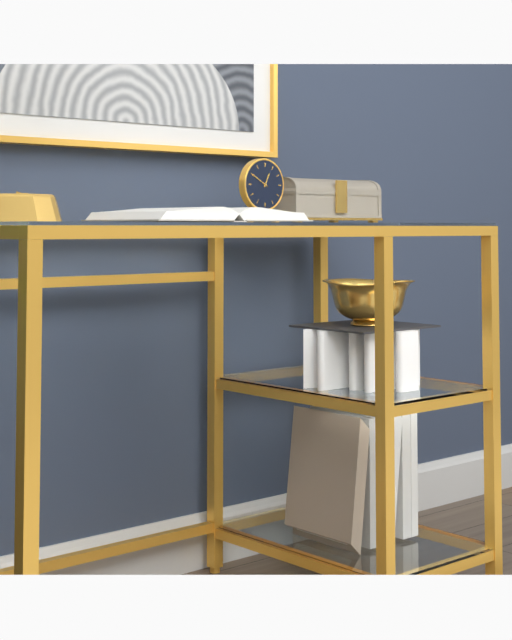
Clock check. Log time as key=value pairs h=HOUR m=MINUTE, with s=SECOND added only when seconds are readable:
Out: h=12 m=50
